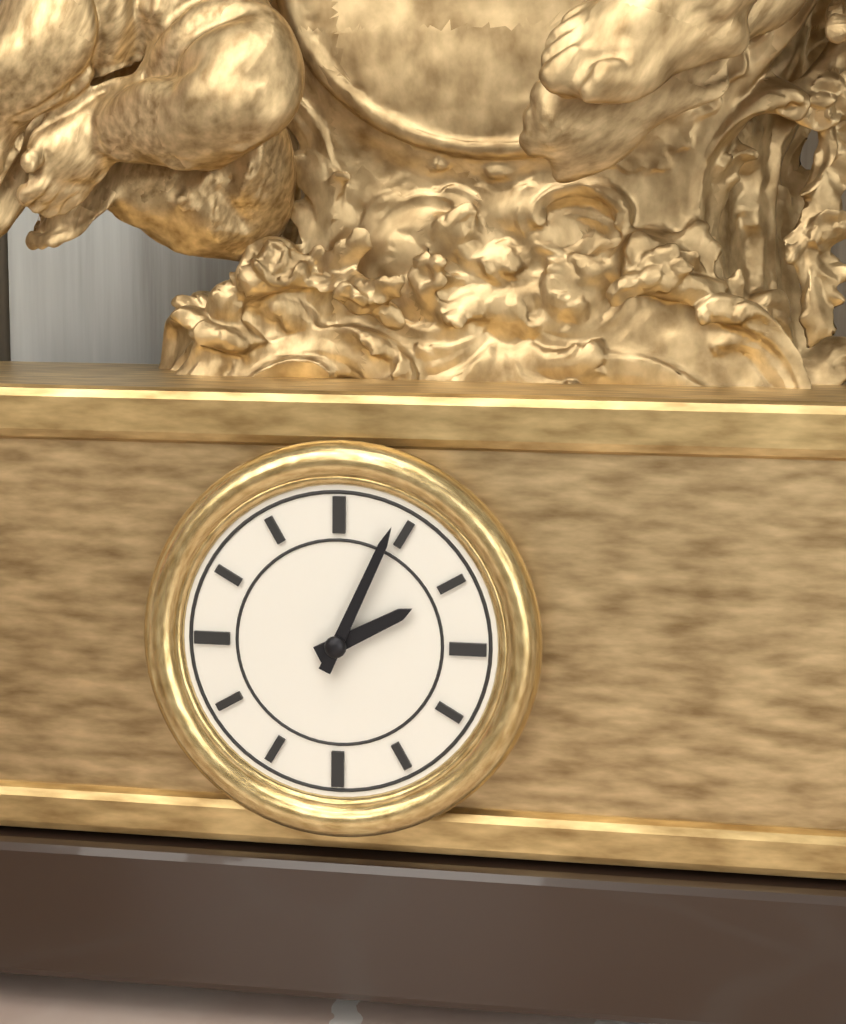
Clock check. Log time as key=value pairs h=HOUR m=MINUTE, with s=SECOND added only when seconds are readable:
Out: h=2 m=4
